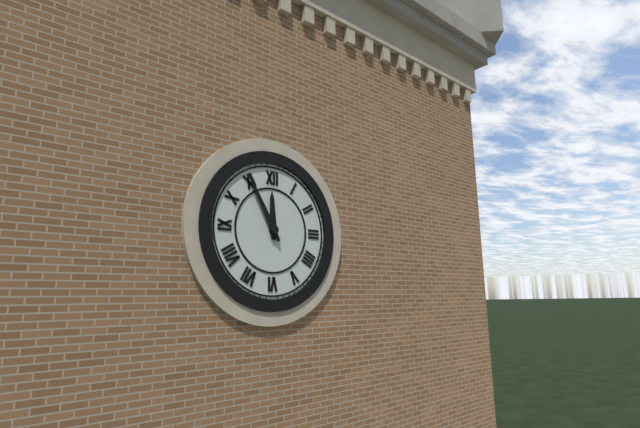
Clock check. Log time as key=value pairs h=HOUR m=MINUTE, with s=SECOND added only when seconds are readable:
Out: h=11 m=55
